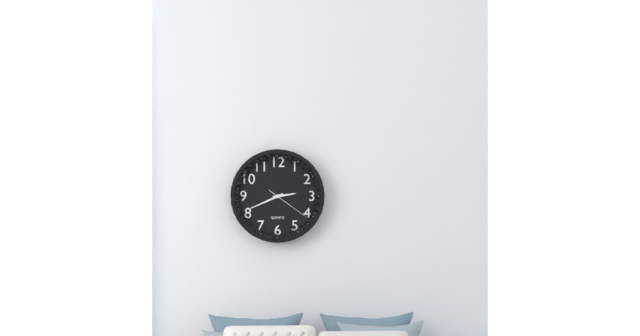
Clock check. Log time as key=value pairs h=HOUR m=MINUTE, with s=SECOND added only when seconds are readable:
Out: h=2 m=41
